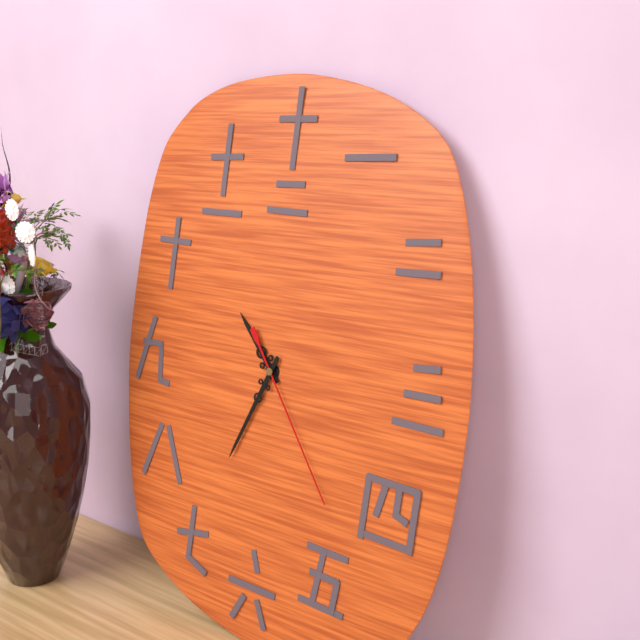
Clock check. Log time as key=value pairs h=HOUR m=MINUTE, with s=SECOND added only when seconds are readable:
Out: h=10 m=34 s=24
